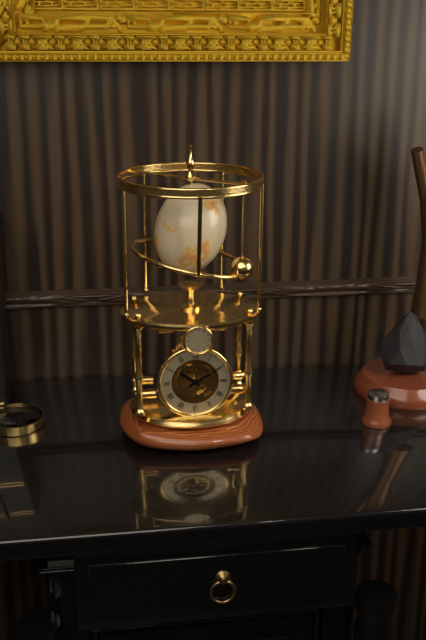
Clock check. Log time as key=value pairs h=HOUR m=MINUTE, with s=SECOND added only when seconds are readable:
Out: h=10 m=10
